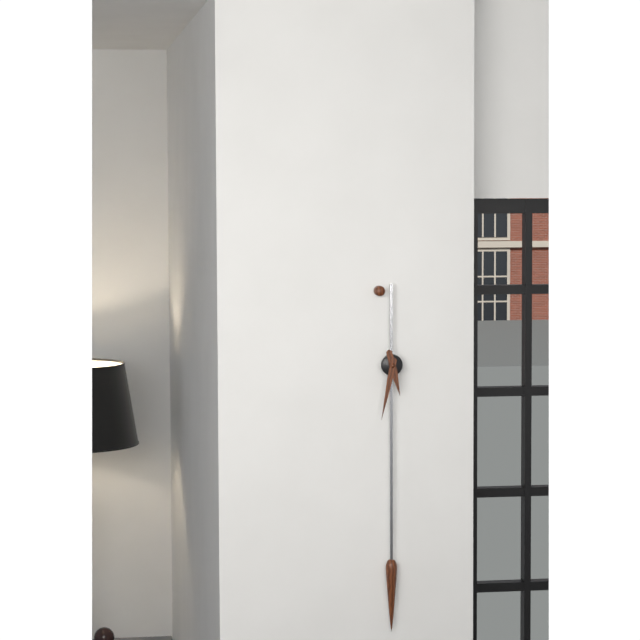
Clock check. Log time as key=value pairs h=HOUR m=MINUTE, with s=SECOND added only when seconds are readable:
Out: h=5 m=32
